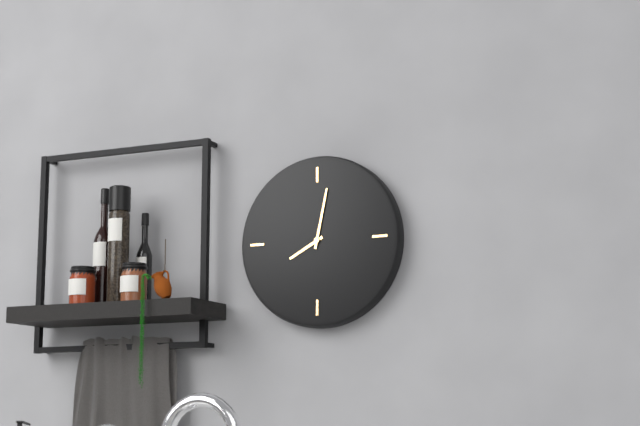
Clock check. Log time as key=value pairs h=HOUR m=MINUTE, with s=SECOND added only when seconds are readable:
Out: h=8 m=2
